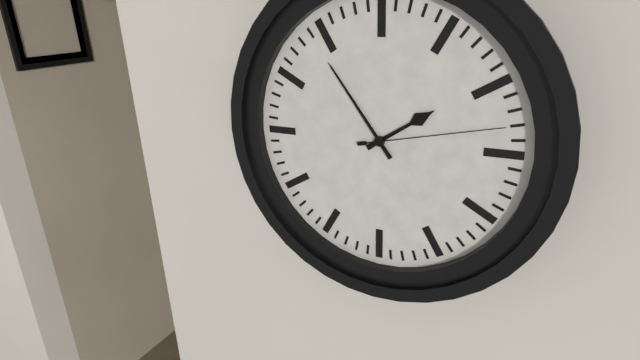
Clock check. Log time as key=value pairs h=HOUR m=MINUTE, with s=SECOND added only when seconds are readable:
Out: h=1 m=54 s=13
